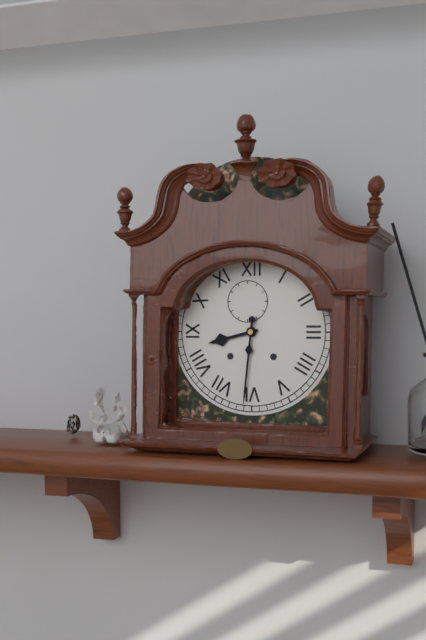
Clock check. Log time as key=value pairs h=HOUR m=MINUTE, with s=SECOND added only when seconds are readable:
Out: h=8 m=31
